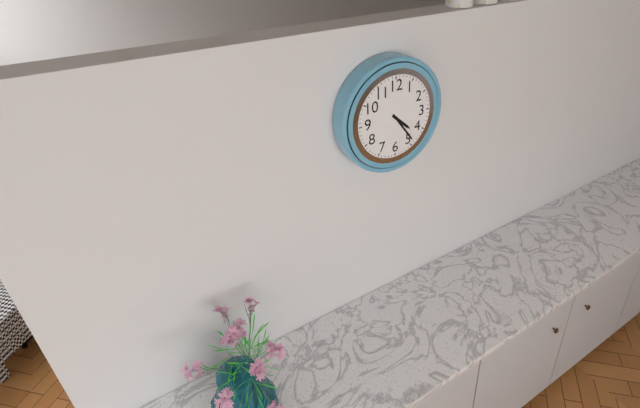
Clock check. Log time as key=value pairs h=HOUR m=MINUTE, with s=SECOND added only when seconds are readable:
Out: h=4 m=24
